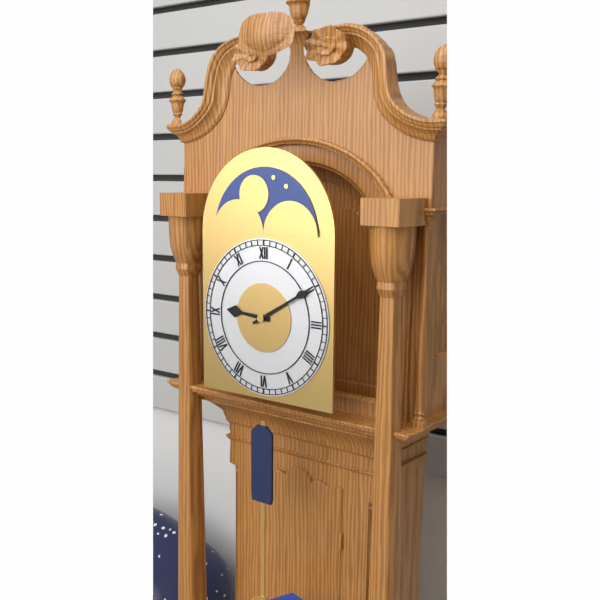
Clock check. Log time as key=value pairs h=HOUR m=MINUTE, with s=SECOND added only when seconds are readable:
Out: h=9 m=10
